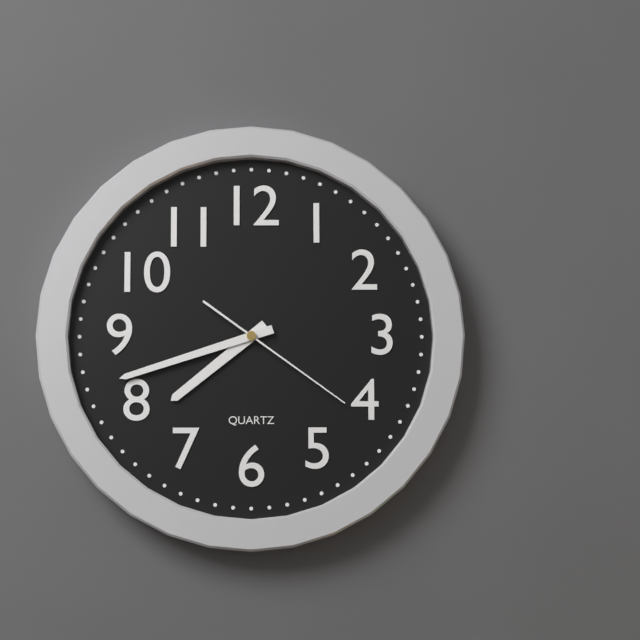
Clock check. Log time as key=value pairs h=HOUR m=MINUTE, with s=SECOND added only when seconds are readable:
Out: h=7 m=42 s=21
